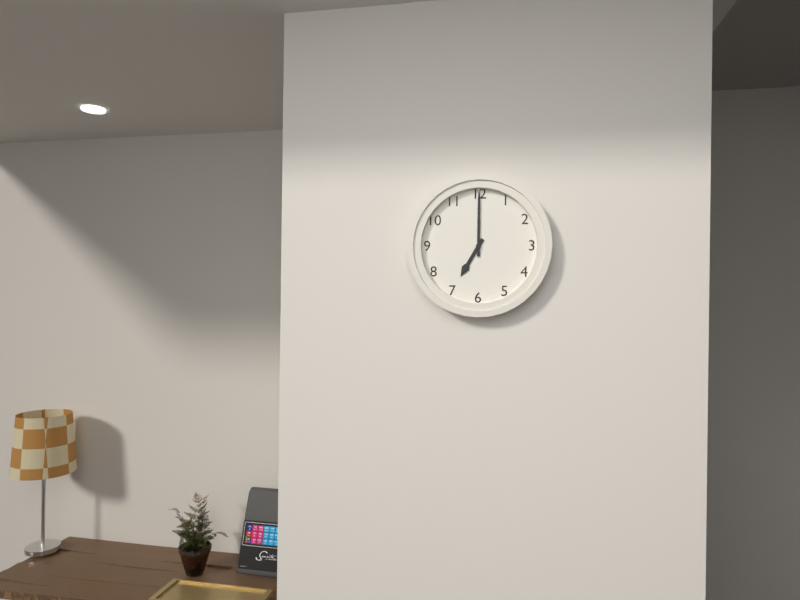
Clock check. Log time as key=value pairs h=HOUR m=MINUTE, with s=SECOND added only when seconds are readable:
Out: h=7 m=0
